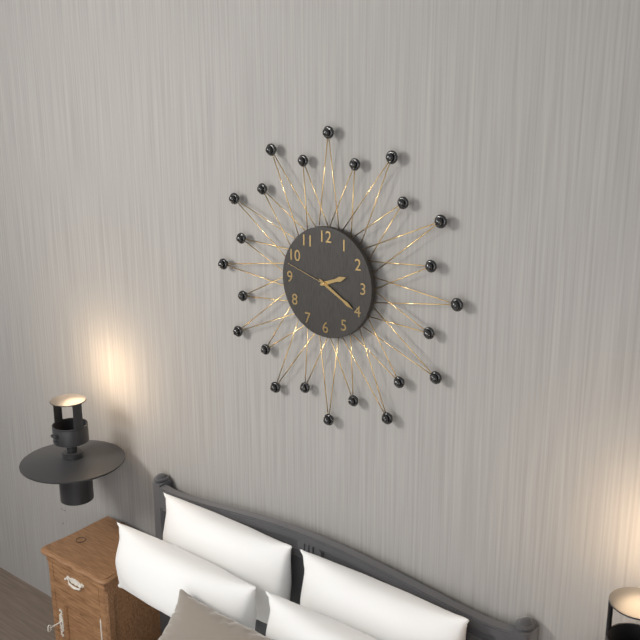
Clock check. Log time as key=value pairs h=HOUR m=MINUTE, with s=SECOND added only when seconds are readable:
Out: h=2 m=20 s=48
